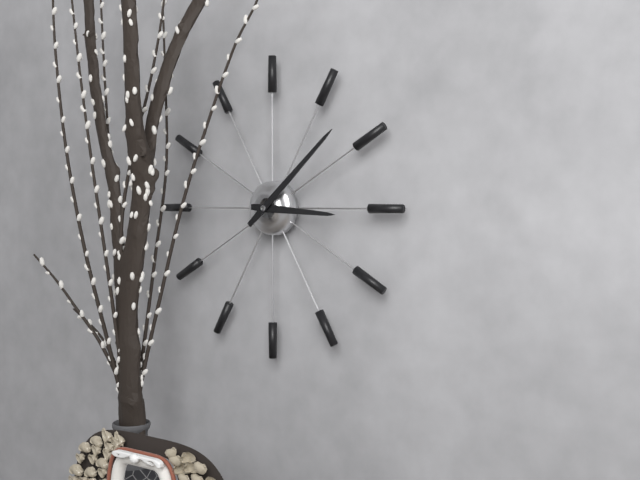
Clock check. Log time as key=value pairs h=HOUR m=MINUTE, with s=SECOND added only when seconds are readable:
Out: h=3 m=8
